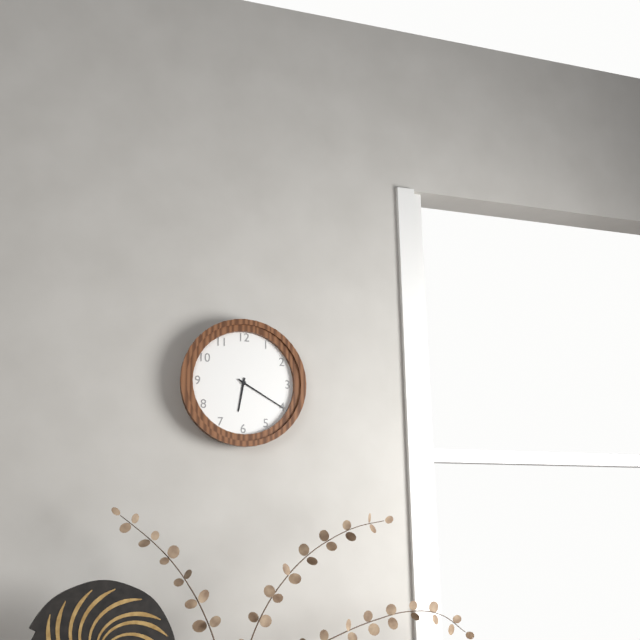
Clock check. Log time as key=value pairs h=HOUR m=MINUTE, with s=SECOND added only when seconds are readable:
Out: h=6 m=20
